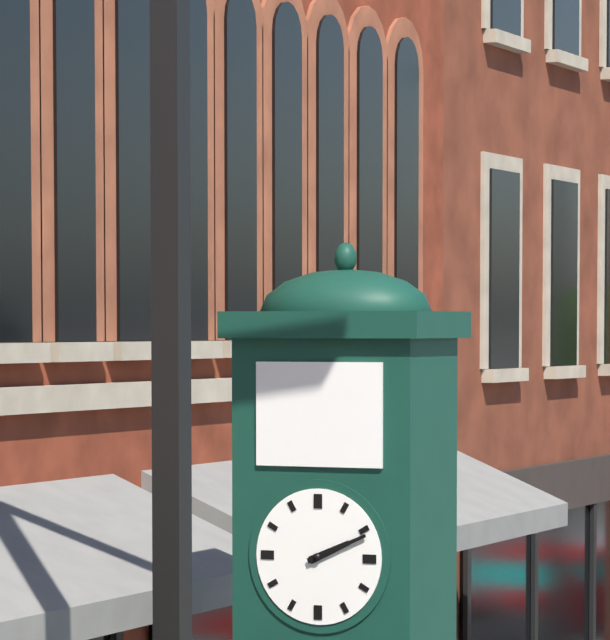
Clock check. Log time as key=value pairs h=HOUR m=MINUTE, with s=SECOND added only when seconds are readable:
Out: h=2 m=11
